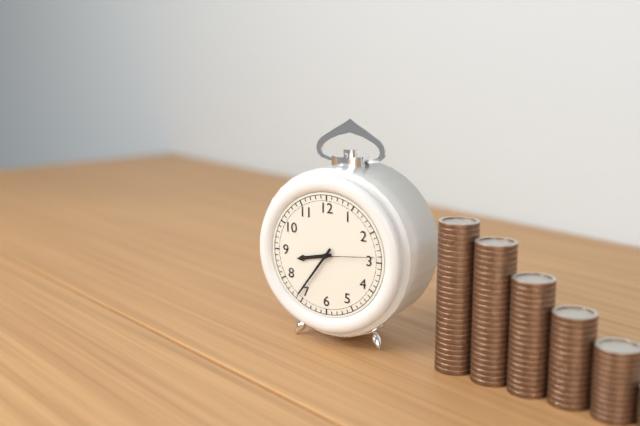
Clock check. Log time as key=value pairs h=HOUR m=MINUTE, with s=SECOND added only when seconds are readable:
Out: h=8 m=36 s=14
